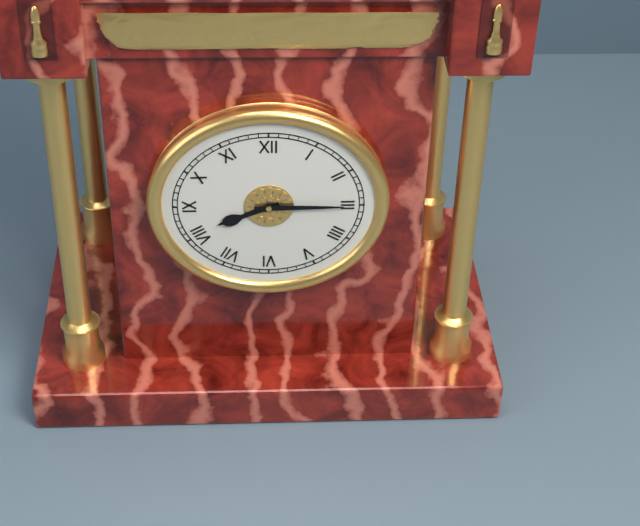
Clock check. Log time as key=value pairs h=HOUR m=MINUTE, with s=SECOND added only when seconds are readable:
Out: h=8 m=15
